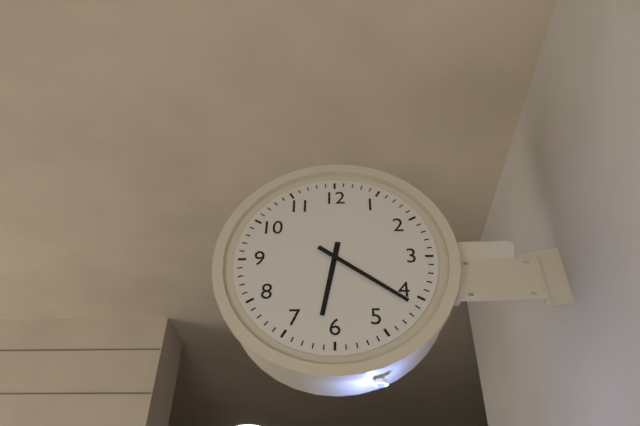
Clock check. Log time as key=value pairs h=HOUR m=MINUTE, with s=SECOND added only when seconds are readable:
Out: h=6 m=21
